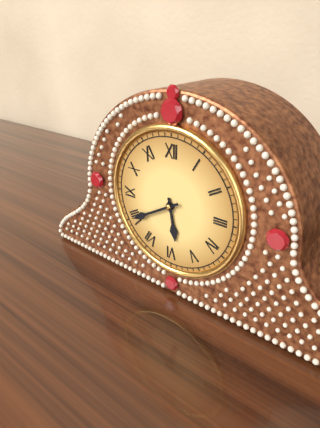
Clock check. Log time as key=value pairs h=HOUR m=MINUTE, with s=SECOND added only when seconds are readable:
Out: h=5 m=40
